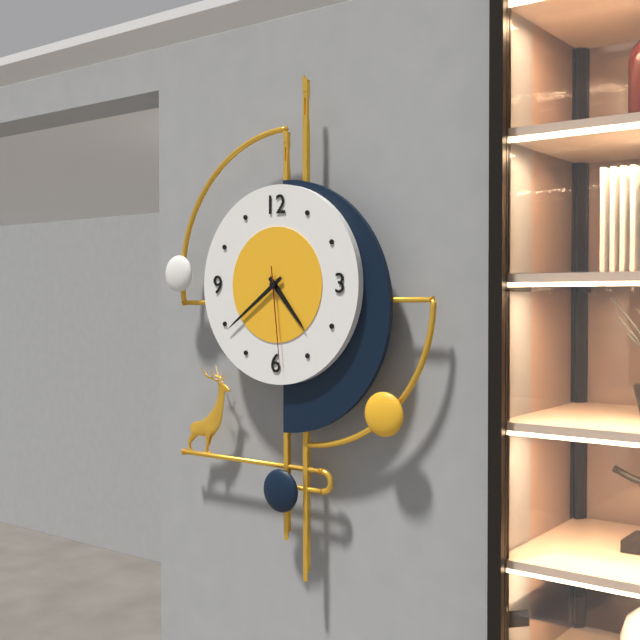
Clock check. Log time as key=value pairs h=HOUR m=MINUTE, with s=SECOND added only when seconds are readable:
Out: h=4 m=39 s=29
